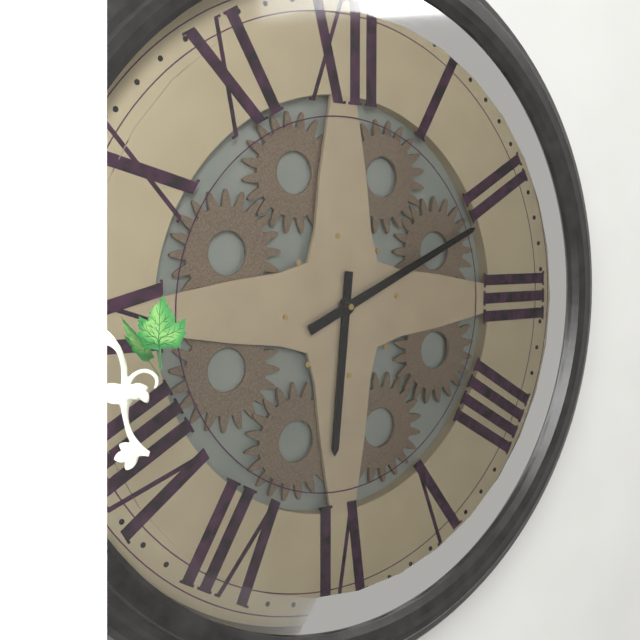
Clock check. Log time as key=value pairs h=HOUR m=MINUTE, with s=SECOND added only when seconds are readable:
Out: h=6 m=11
